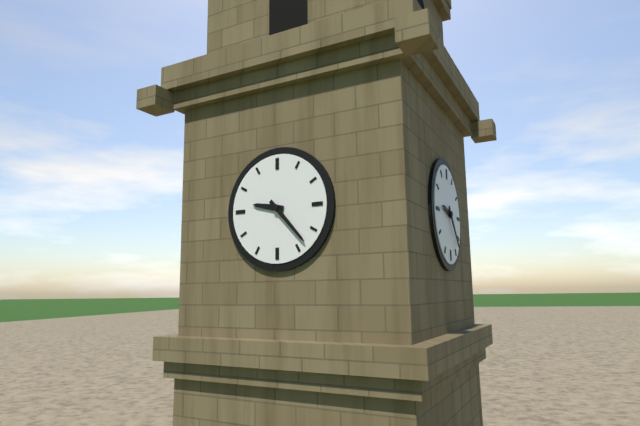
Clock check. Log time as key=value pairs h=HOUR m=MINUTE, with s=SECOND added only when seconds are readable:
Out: h=9 m=23
